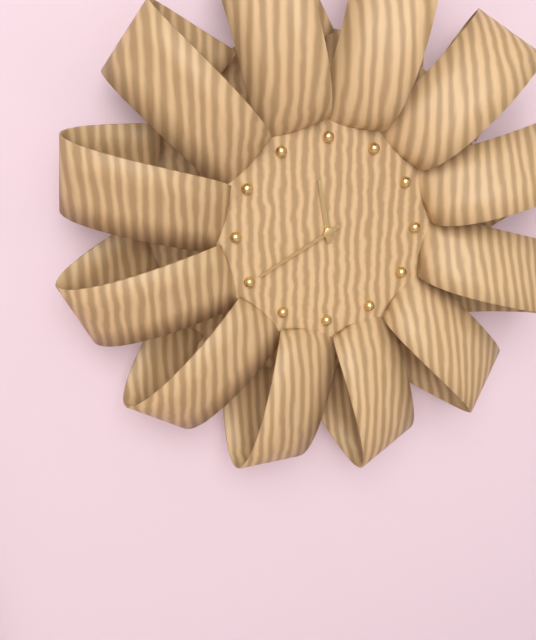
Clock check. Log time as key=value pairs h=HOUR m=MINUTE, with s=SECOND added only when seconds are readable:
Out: h=11 m=40
